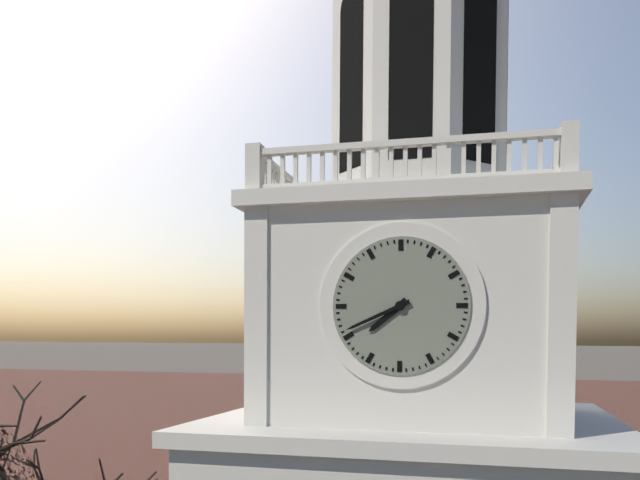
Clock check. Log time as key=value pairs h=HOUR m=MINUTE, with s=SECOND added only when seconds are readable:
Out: h=7 m=41
